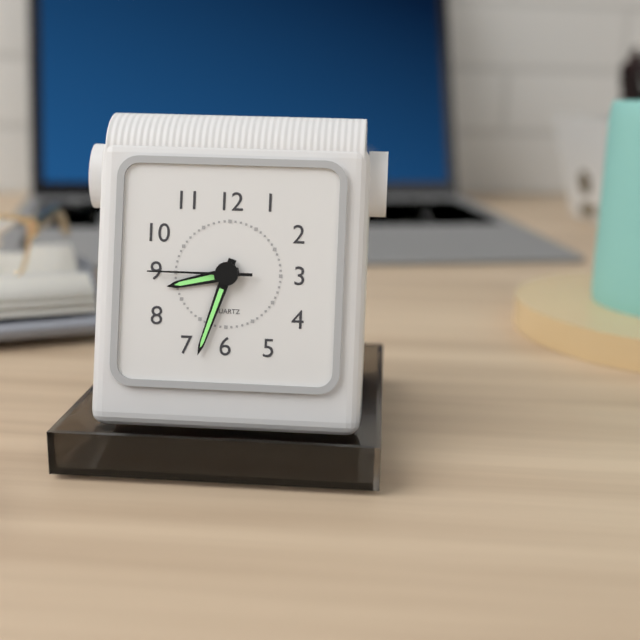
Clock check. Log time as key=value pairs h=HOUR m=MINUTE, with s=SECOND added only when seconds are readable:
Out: h=8 m=33 s=45
